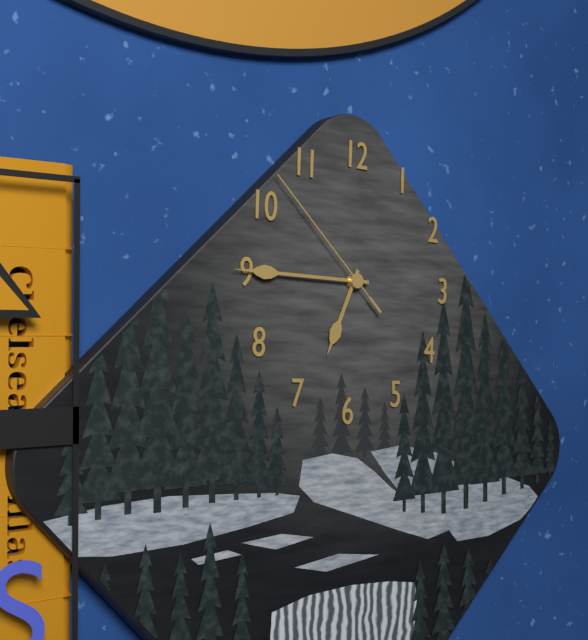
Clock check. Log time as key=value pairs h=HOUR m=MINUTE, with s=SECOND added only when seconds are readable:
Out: h=6 m=45 s=52
